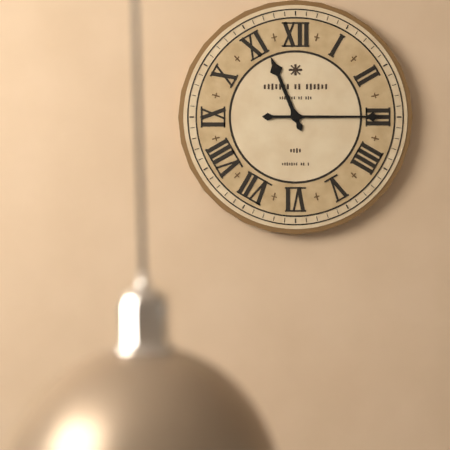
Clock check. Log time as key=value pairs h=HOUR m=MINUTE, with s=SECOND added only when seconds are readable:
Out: h=11 m=15
